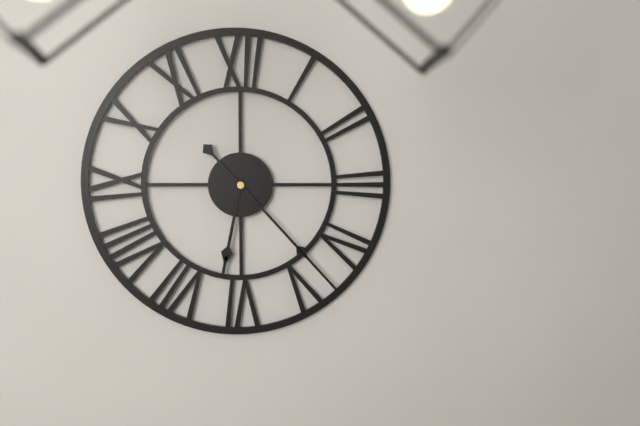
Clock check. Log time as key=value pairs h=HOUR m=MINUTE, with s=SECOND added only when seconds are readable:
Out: h=6 m=23
